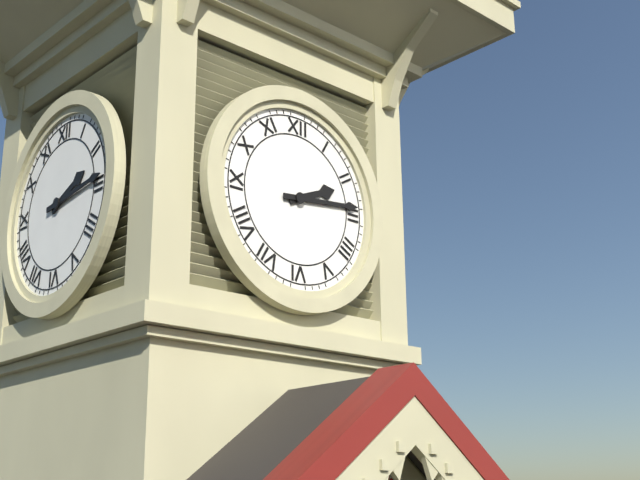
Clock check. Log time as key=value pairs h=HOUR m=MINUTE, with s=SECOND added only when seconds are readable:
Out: h=2 m=14
